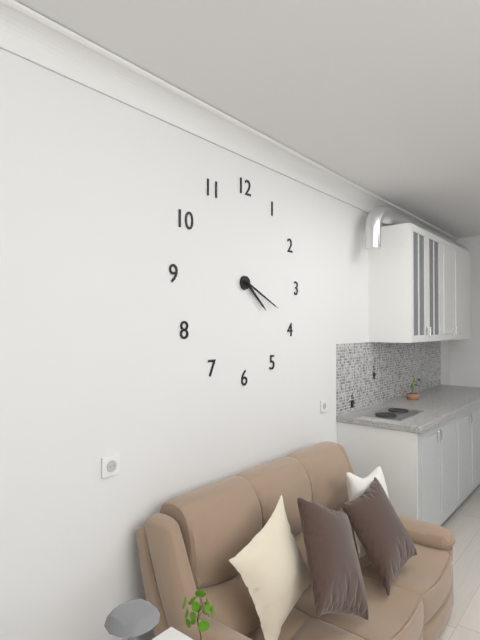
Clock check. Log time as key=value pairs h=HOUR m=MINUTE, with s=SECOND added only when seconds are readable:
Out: h=4 m=19
